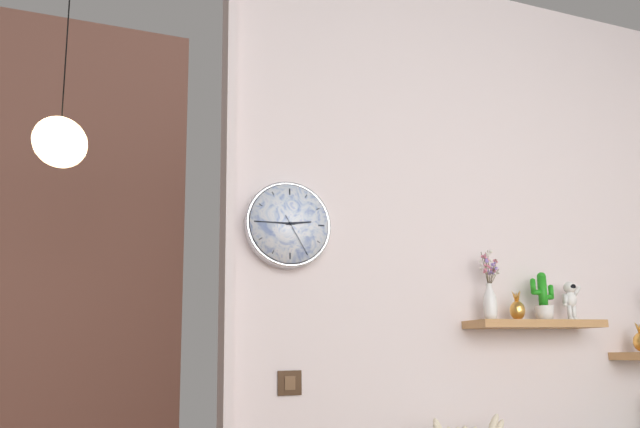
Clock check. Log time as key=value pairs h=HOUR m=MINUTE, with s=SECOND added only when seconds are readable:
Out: h=2 m=45
